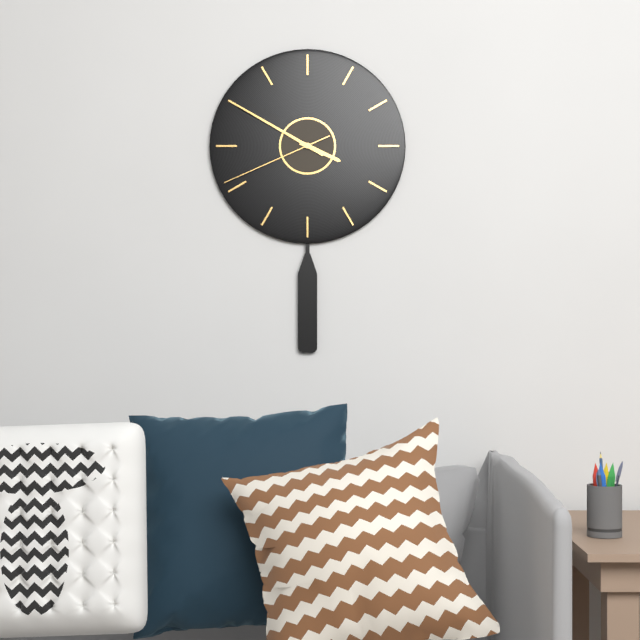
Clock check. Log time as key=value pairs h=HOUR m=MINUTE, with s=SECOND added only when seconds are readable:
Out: h=3 m=50 s=41
